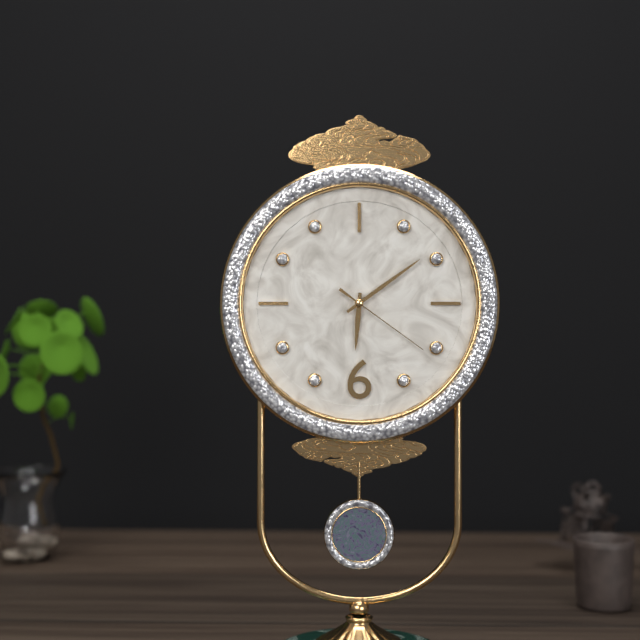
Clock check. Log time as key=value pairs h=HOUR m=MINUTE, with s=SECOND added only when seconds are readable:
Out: h=6 m=9 s=21
